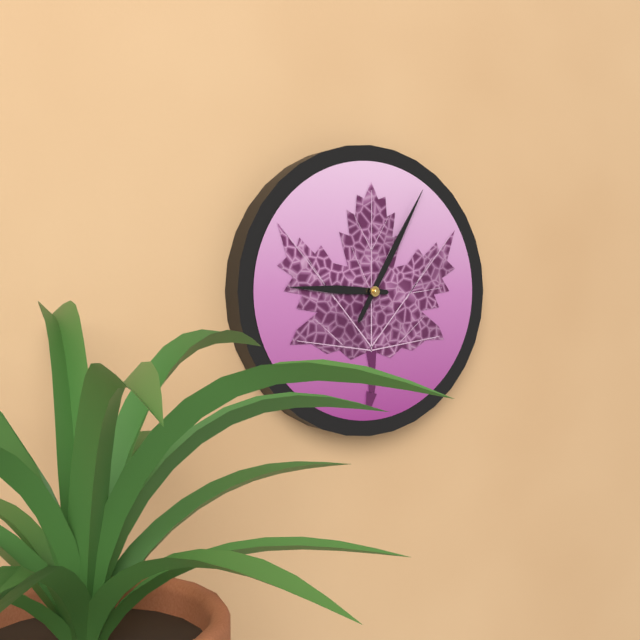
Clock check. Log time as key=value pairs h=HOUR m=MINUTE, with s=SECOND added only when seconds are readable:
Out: h=9 m=5
